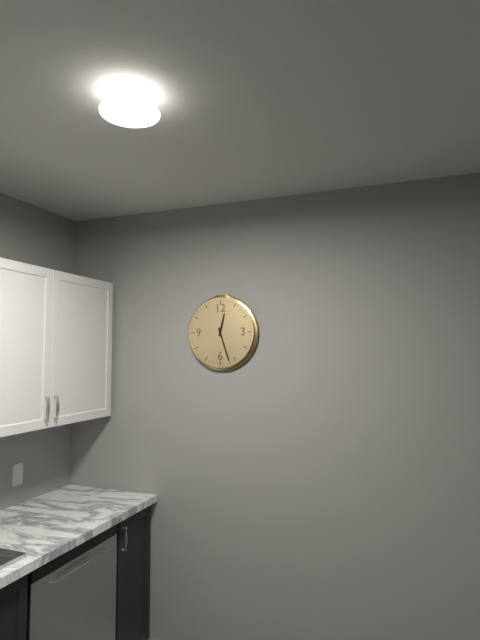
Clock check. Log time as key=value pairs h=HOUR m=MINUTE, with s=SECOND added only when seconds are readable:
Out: h=12 m=27
